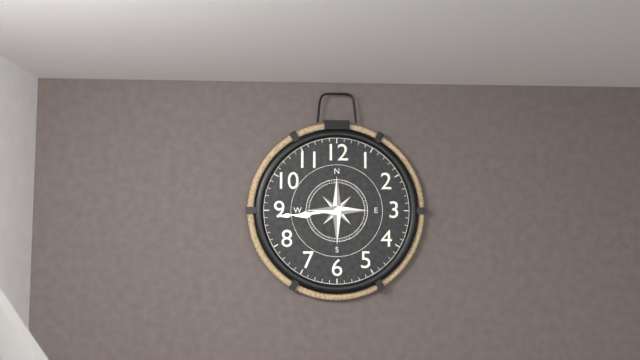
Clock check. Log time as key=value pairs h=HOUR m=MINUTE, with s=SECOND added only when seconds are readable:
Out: h=8 m=44
